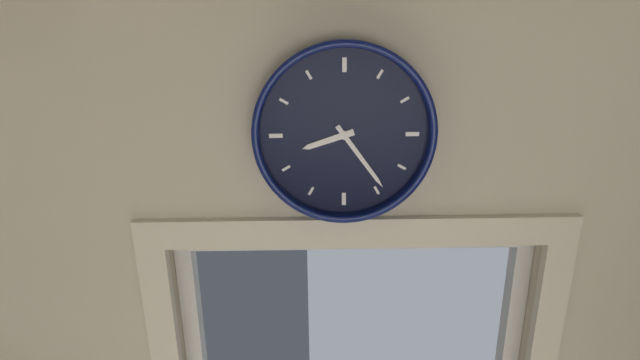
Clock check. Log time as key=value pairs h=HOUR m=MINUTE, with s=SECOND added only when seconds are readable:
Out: h=8 m=24
